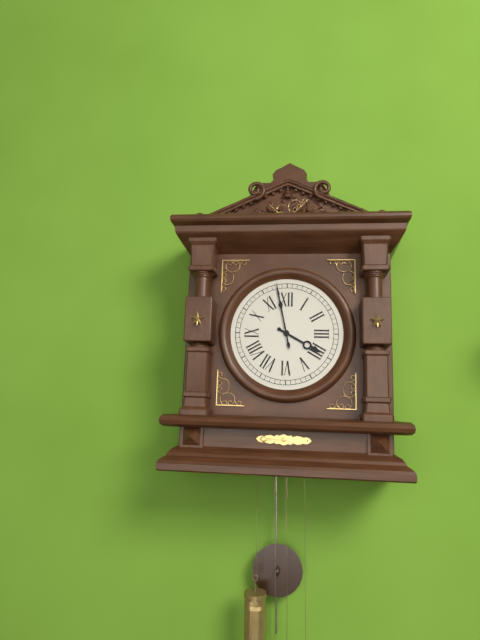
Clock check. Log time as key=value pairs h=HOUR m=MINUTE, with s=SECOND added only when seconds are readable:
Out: h=3 m=58
